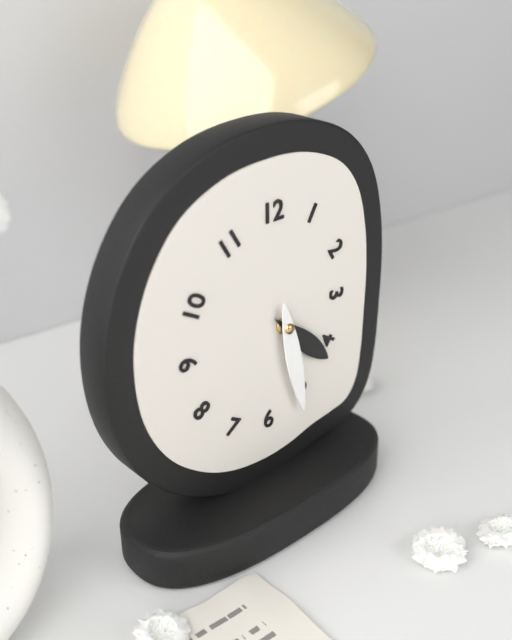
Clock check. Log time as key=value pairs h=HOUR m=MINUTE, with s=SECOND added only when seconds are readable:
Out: h=4 m=28
